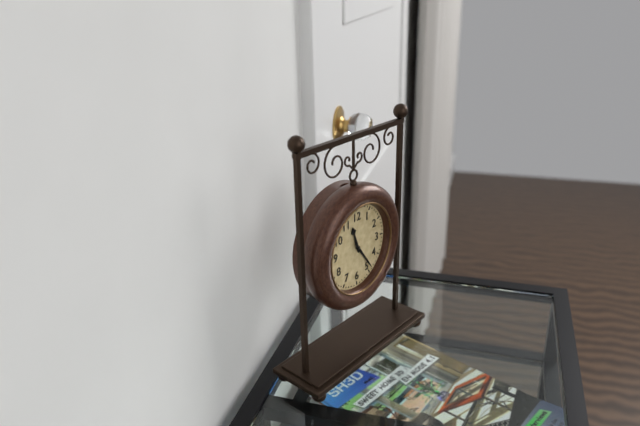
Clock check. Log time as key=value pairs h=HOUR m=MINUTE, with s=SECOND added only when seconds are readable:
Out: h=11 m=24
